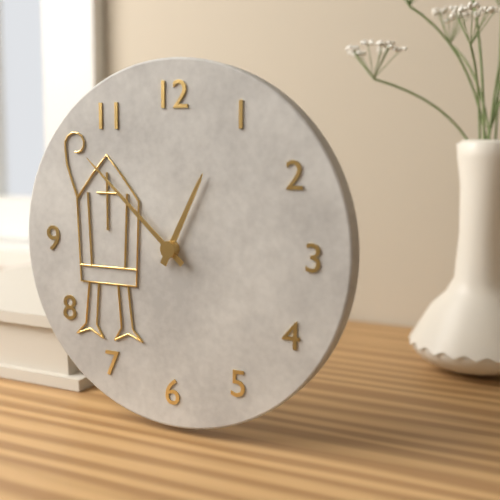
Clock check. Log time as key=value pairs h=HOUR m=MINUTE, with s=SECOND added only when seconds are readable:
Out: h=12 m=52
